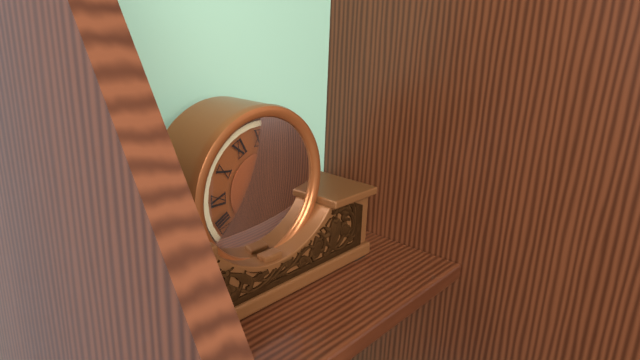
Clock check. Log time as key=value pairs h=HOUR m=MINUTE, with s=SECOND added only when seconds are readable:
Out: h=2 m=35
